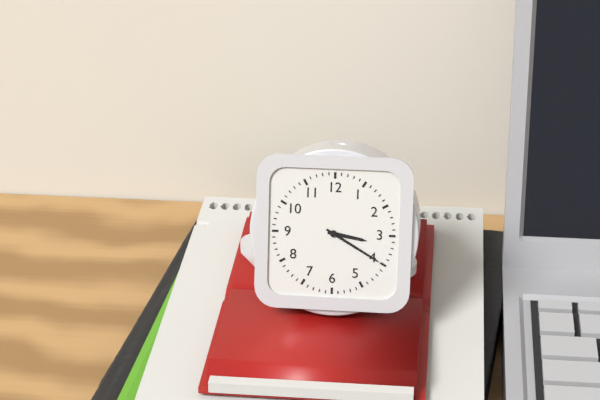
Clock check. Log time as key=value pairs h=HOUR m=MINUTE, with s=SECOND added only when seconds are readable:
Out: h=3 m=20
